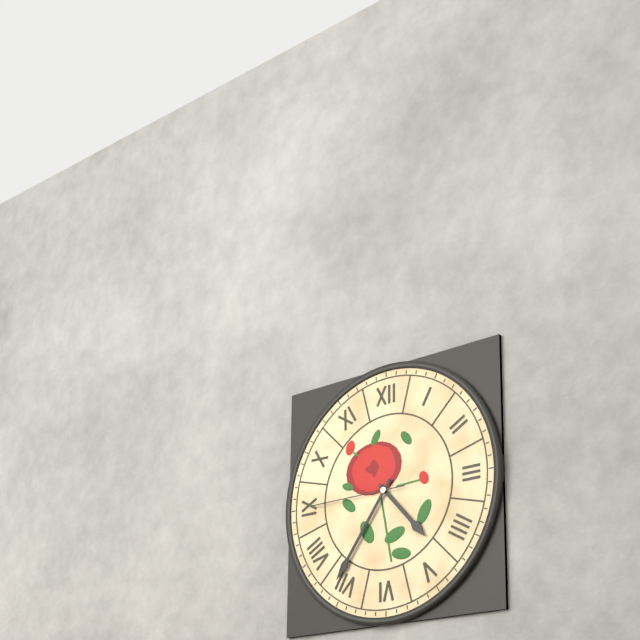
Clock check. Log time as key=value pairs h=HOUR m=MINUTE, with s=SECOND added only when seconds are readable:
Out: h=4 m=36 s=45
